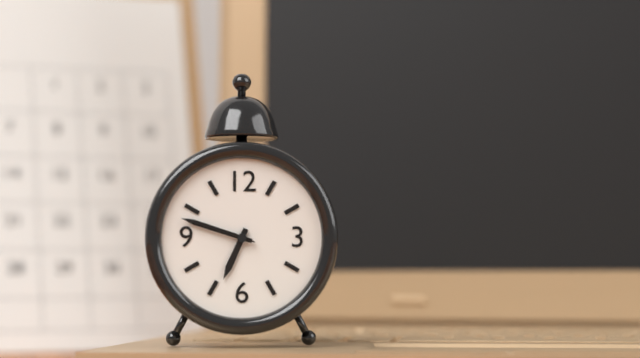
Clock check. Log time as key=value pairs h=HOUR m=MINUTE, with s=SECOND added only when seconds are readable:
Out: h=6 m=48 s=48
